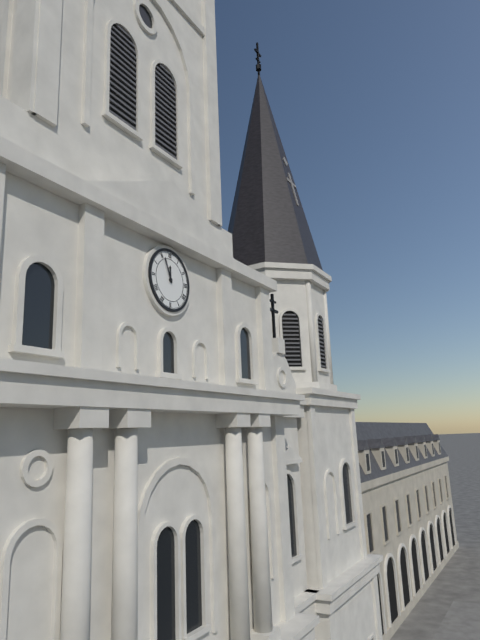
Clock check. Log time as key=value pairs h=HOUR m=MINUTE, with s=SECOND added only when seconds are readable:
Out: h=11 m=56
